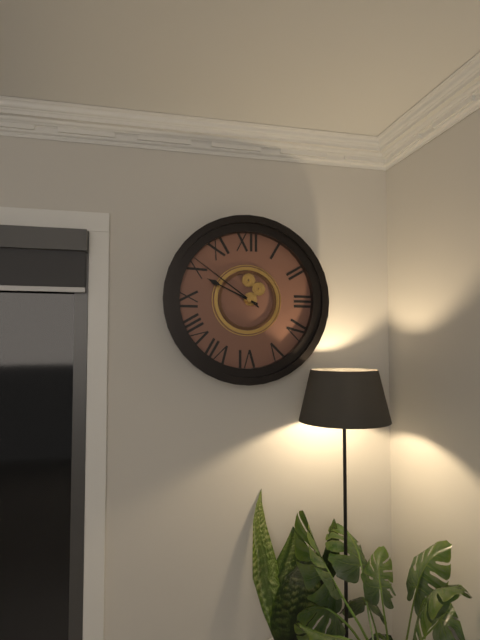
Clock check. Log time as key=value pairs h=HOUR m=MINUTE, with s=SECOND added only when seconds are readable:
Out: h=9 m=51
